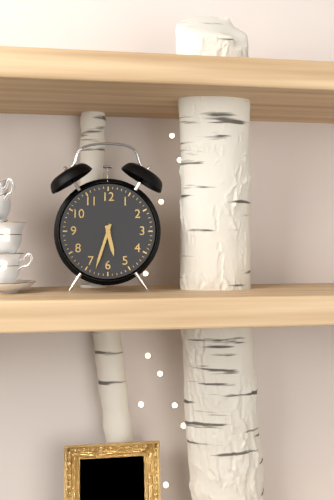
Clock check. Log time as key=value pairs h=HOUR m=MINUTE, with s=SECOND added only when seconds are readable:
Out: h=5 m=33
